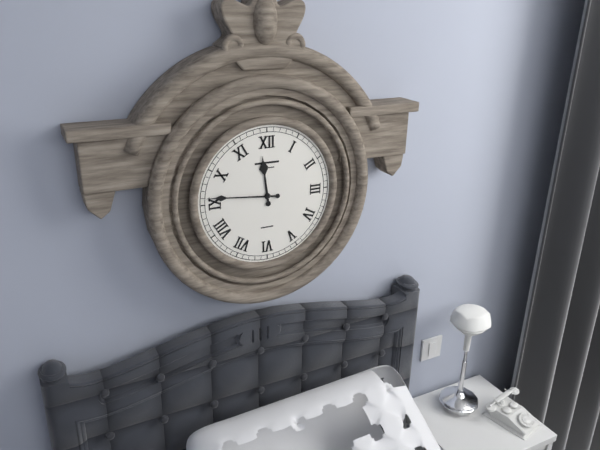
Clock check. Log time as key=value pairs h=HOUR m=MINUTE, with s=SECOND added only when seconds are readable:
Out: h=11 m=46
